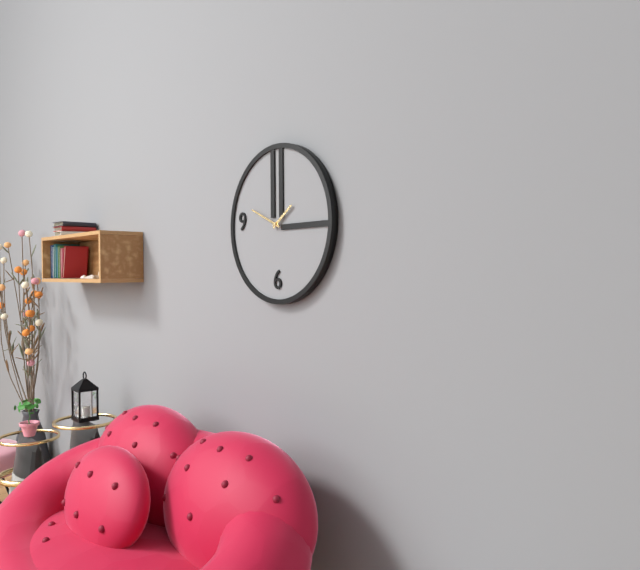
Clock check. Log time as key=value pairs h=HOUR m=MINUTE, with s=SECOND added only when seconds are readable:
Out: h=1 m=49
